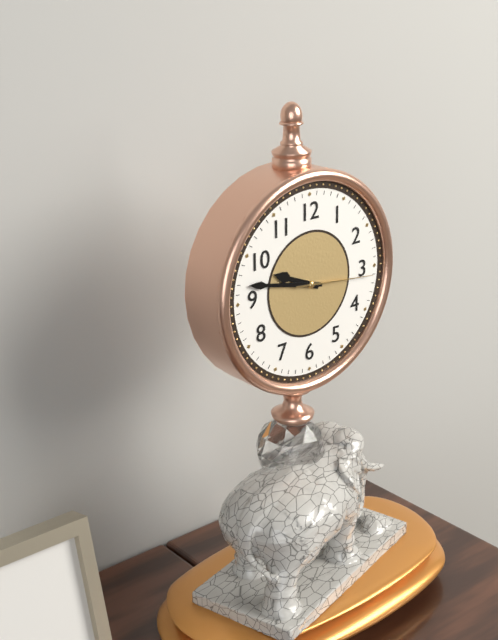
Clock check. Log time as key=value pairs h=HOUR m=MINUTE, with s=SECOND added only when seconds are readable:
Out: h=9 m=47 s=16
